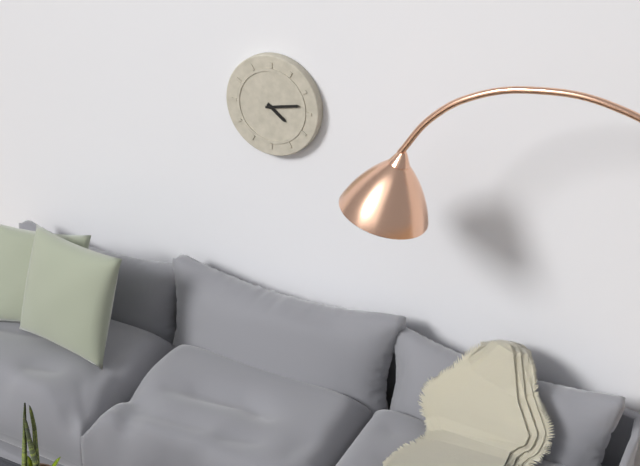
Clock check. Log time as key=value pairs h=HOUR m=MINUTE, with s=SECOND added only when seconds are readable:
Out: h=4 m=13
